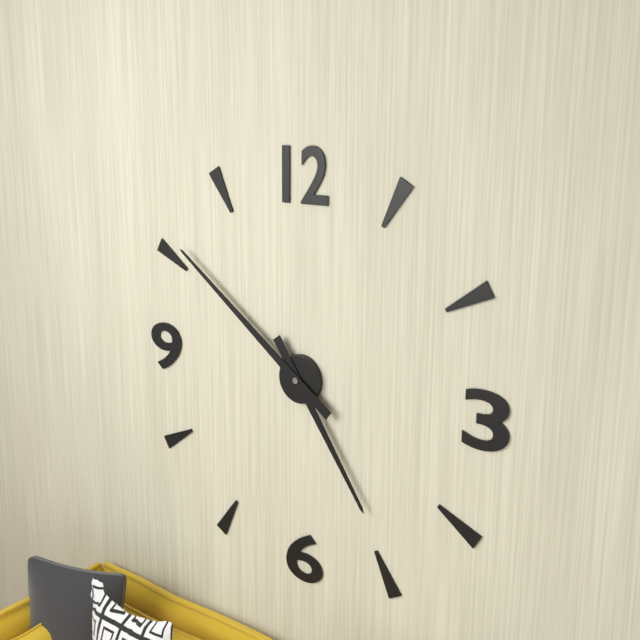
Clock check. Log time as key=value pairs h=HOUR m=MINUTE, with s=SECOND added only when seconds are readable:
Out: h=4 m=51
